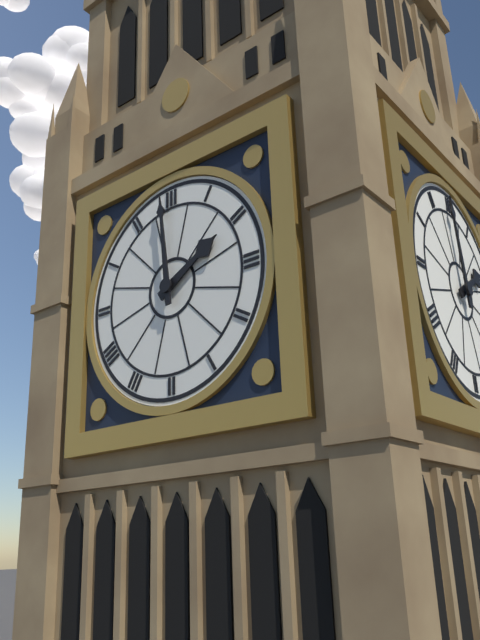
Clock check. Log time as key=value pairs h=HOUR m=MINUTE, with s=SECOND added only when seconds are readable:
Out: h=1 m=59
